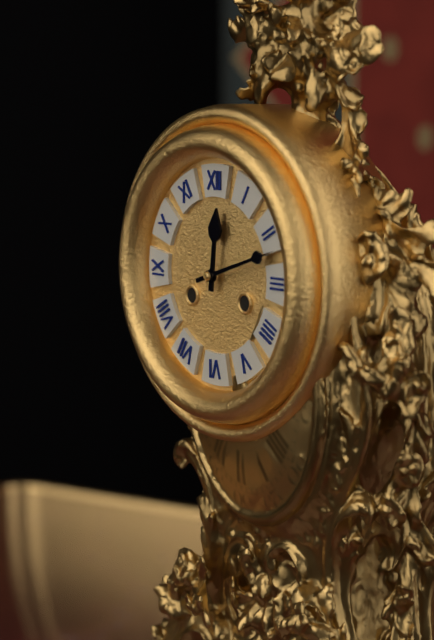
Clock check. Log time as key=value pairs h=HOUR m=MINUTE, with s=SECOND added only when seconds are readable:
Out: h=12 m=12
